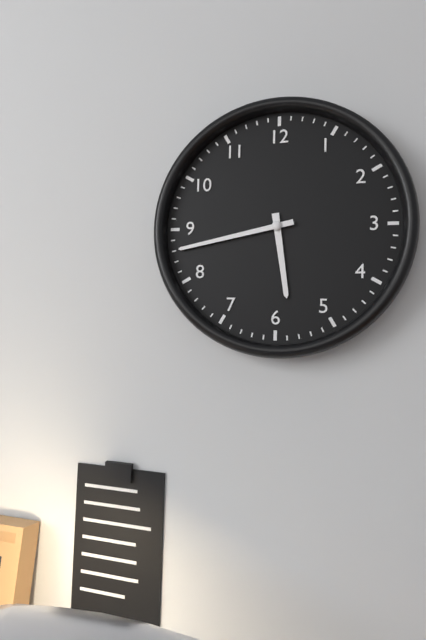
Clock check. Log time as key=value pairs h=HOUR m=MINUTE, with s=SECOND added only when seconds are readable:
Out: h=5 m=43
